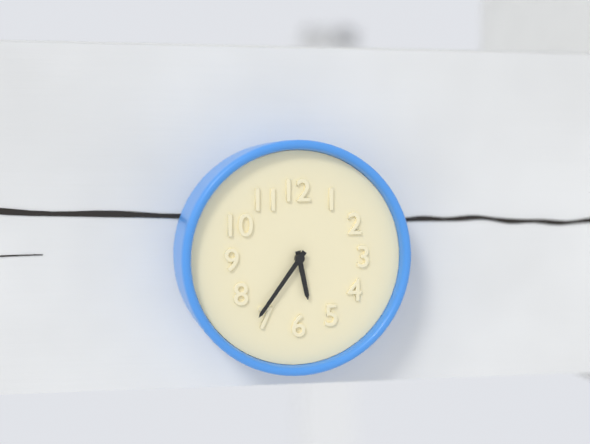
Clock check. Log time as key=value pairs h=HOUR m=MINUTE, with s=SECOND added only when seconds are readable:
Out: h=5 m=36
